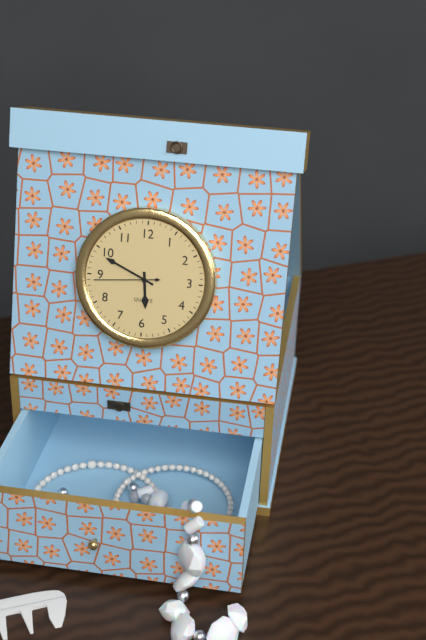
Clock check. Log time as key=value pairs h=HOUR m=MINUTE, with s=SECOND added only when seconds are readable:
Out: h=5 m=49 s=44
